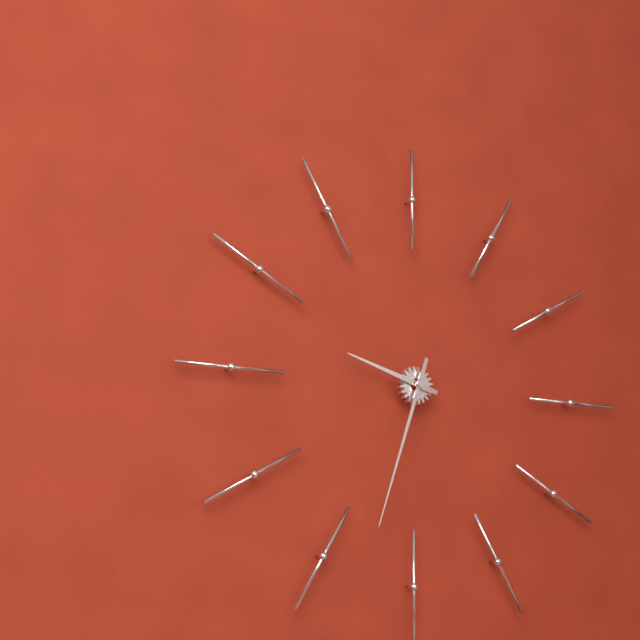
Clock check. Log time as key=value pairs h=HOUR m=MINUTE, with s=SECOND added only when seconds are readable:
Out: h=9 m=33
